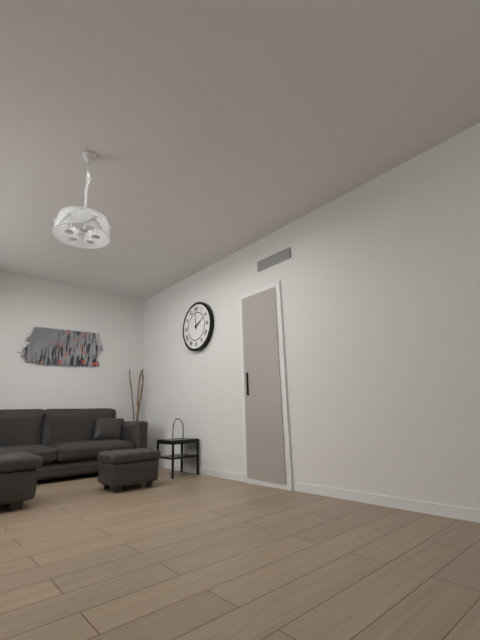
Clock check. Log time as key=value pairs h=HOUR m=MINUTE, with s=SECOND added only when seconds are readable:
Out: h=1 m=59
